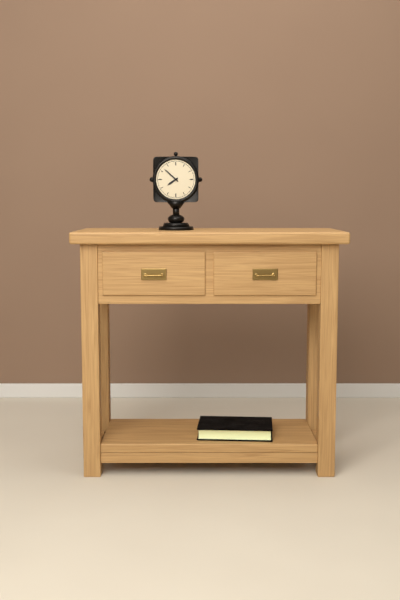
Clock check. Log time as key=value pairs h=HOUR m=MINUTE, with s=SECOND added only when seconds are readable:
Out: h=7 m=52
